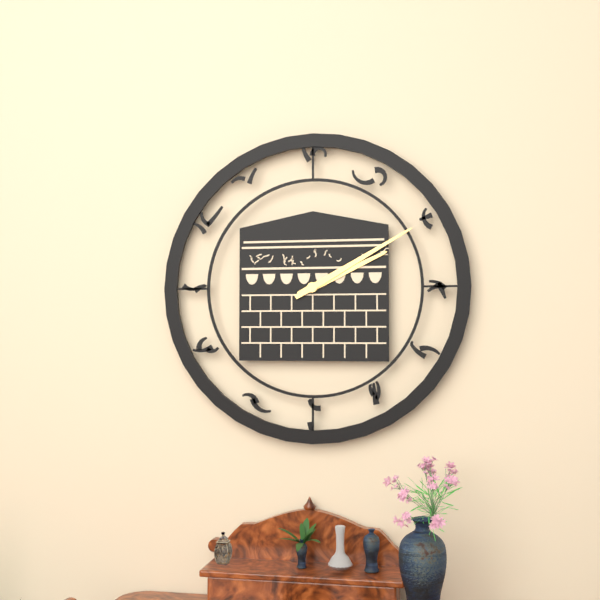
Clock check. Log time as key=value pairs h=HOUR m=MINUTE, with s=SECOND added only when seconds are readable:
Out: h=2 m=10
